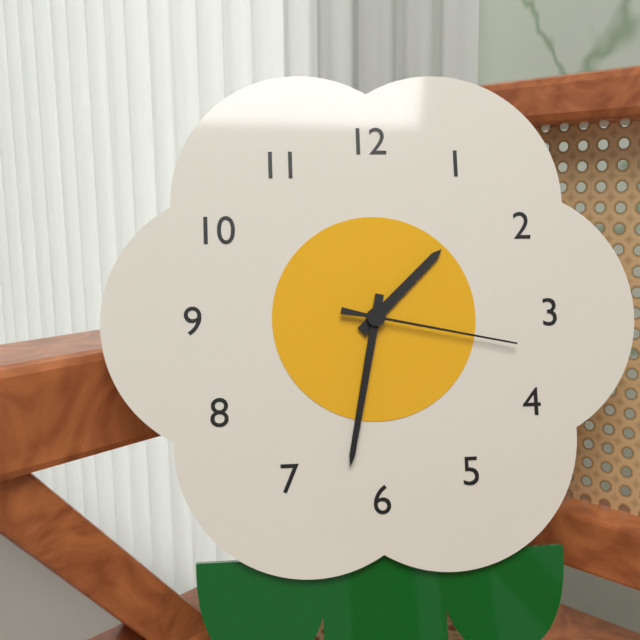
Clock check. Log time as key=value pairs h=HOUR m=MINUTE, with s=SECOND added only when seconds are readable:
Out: h=1 m=32 s=17
